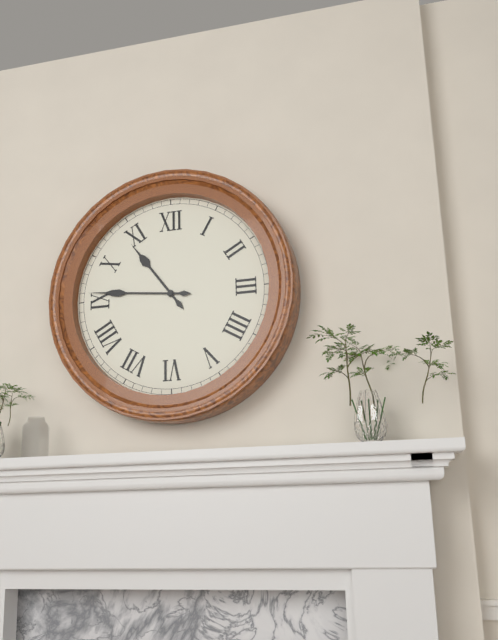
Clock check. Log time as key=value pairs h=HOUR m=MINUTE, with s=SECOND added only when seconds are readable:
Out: h=10 m=46
